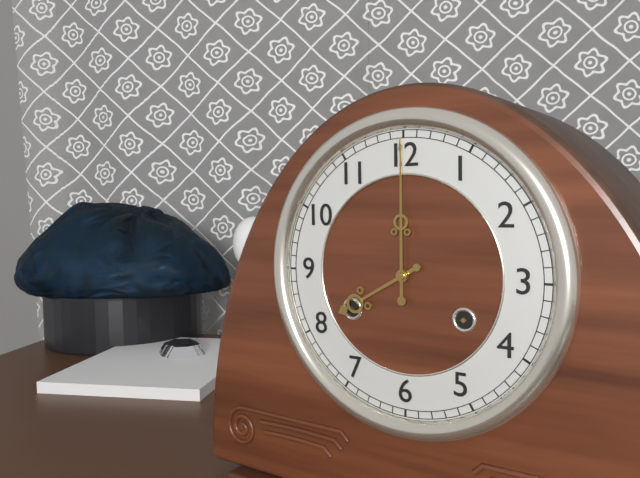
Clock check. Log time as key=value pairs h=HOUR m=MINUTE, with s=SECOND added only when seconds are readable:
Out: h=8 m=0
